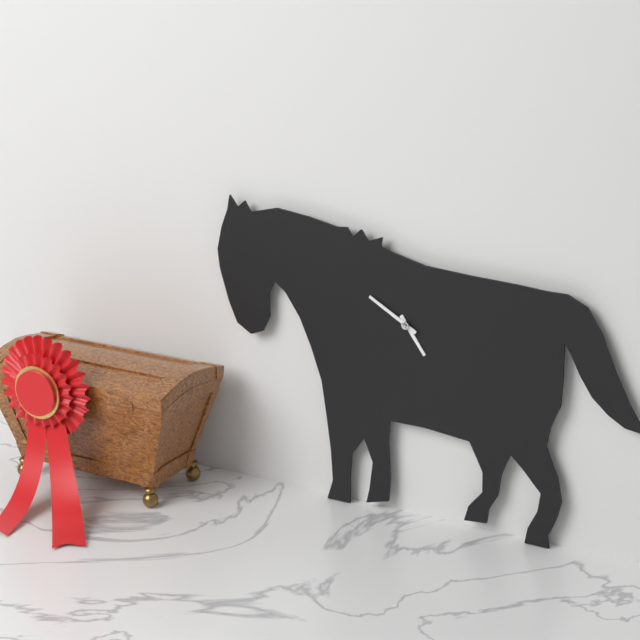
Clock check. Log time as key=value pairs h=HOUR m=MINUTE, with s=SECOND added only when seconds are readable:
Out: h=4 m=50
